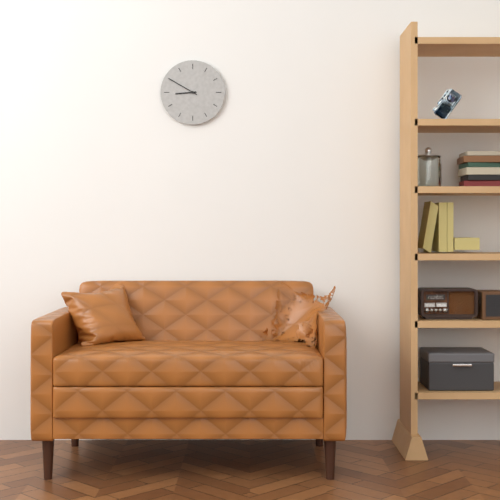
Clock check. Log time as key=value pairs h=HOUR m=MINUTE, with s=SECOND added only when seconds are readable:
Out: h=8 m=50
